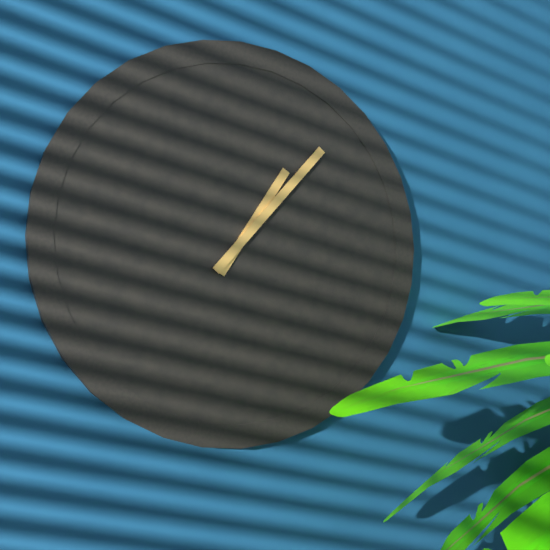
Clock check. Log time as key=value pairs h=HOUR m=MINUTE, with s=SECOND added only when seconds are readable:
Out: h=1 m=7
